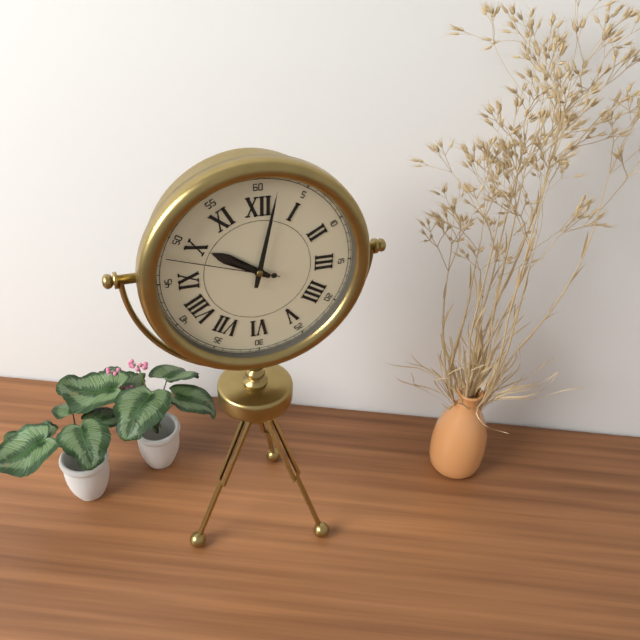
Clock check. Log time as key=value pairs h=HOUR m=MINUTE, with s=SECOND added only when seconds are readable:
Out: h=10 m=2 s=48
